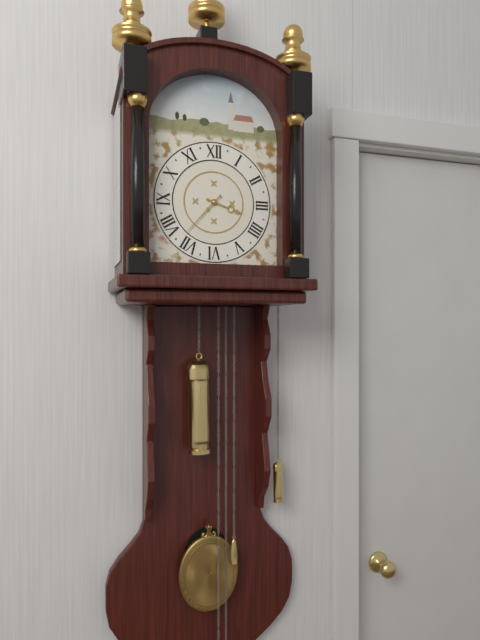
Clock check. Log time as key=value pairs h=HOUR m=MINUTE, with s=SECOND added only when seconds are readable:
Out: h=3 m=37
